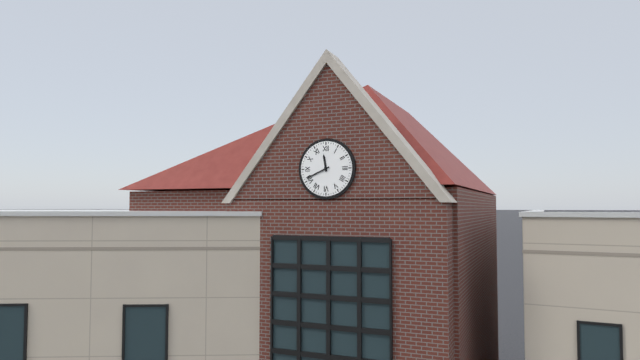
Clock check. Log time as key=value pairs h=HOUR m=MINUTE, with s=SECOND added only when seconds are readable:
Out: h=11 m=41
